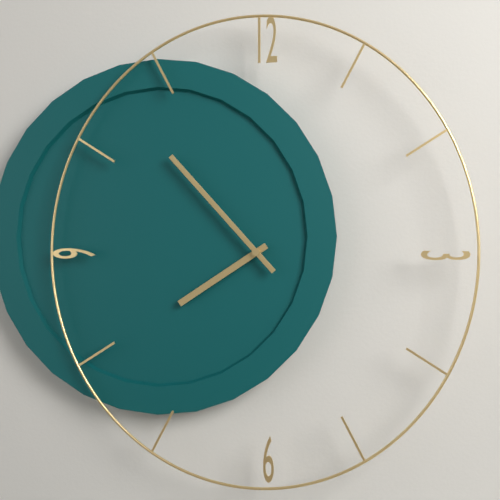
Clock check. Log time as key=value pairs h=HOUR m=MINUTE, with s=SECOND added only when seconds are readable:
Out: h=7 m=53
